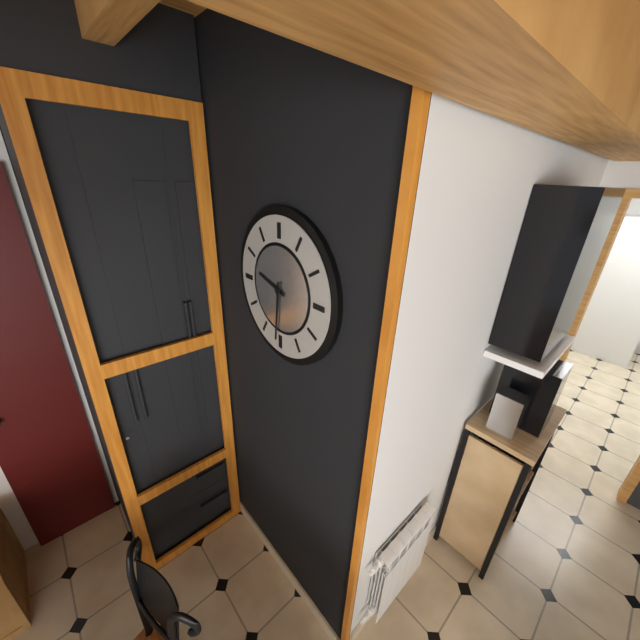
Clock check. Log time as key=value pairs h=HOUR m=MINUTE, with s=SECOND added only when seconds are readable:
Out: h=9 m=31
